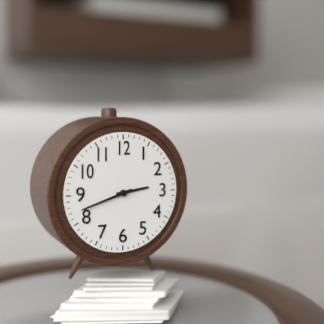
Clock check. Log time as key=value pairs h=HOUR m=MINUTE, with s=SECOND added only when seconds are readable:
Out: h=2 m=42
